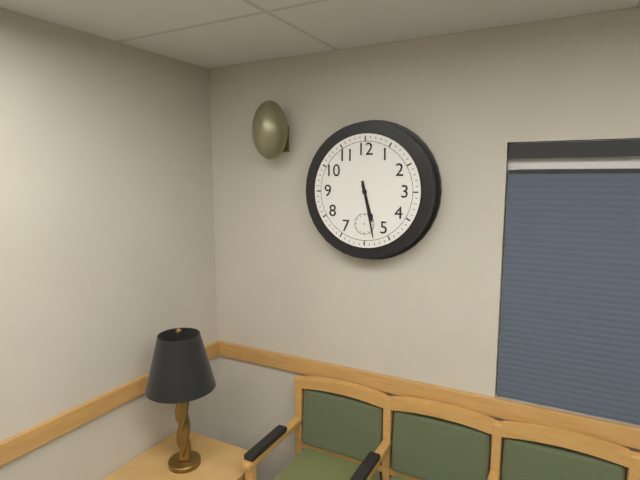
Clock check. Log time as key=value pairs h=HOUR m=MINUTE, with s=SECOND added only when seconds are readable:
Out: h=5 m=28
